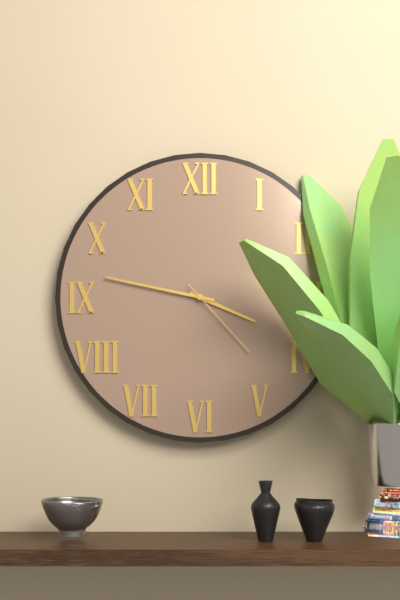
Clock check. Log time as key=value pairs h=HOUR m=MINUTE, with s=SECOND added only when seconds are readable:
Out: h=3 m=47 s=23
